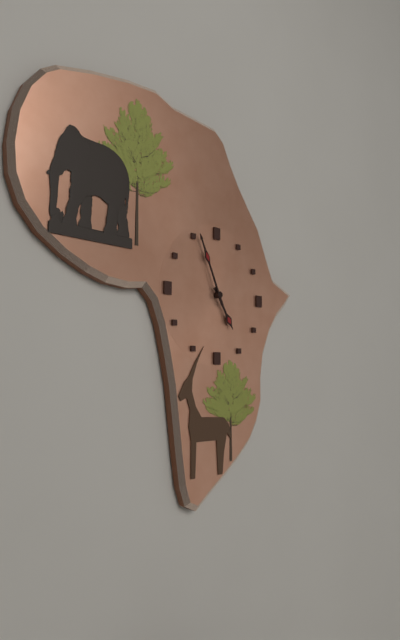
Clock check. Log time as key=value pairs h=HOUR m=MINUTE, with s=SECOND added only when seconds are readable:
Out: h=4 m=56
